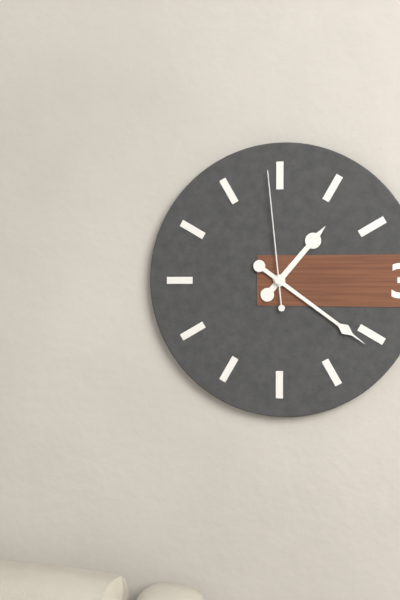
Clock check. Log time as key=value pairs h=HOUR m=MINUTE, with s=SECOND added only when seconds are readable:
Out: h=1 m=21 s=59
